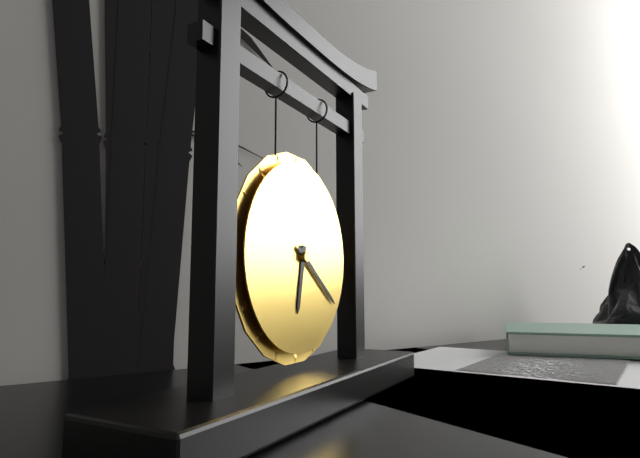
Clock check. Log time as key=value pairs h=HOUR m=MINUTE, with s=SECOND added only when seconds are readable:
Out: h=6 m=21
